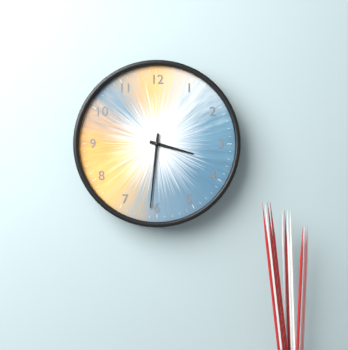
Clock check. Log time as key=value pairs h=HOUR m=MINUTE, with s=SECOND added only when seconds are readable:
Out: h=3 m=31
